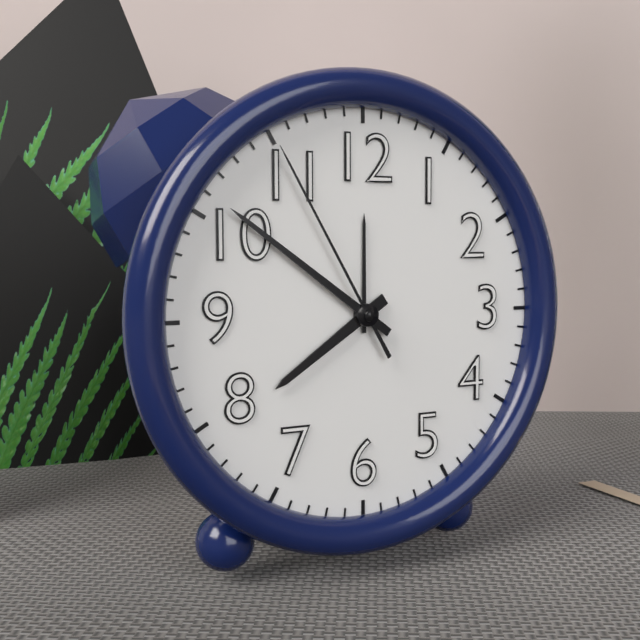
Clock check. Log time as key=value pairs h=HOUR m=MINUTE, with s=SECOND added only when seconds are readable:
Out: h=7 m=51 s=55
